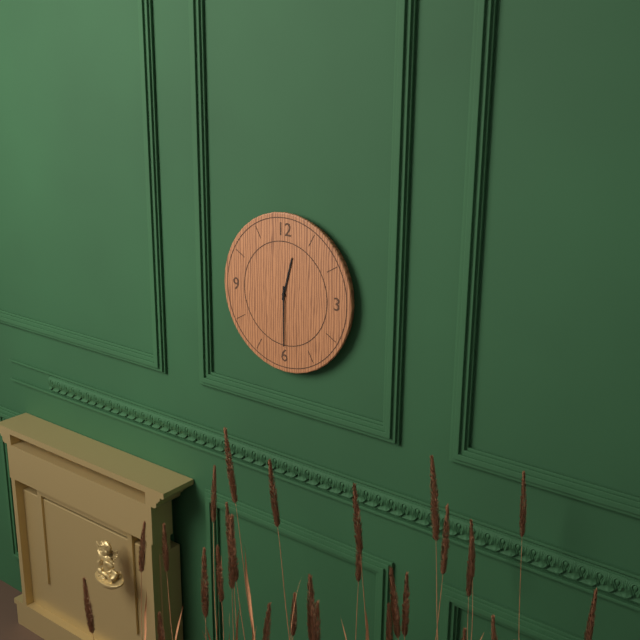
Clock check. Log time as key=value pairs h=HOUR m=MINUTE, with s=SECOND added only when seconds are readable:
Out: h=12 m=30
